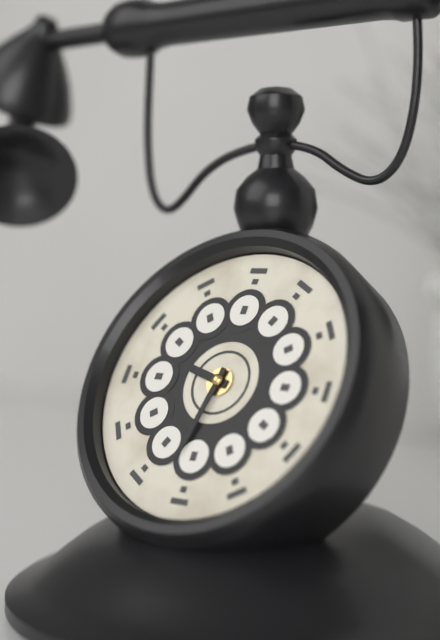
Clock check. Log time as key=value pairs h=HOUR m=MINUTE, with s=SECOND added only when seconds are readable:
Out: h=9 m=32
